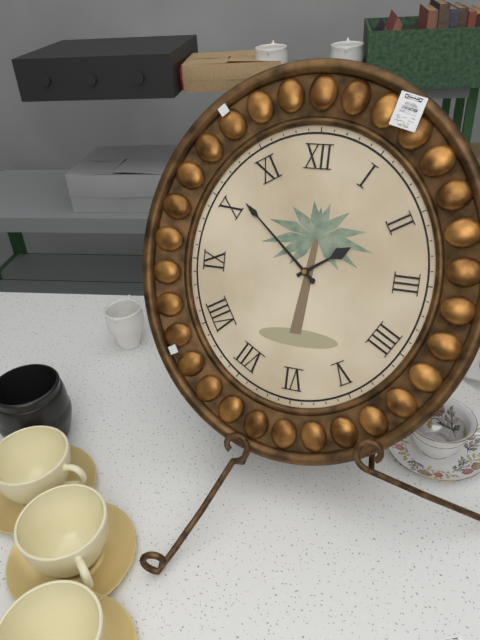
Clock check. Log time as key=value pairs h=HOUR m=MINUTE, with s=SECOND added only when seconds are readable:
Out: h=1 m=52
